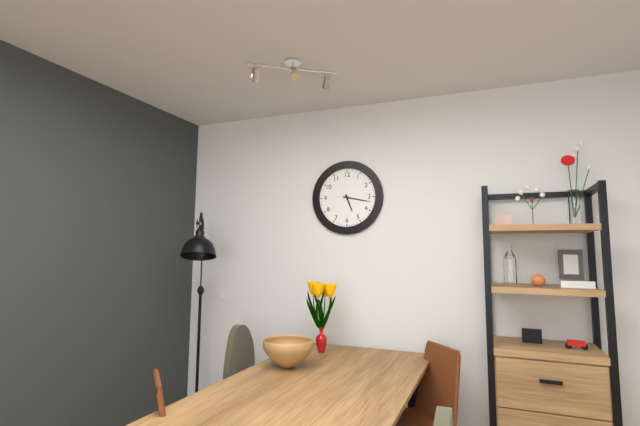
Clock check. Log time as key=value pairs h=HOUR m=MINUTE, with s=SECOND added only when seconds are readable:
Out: h=5 m=17
